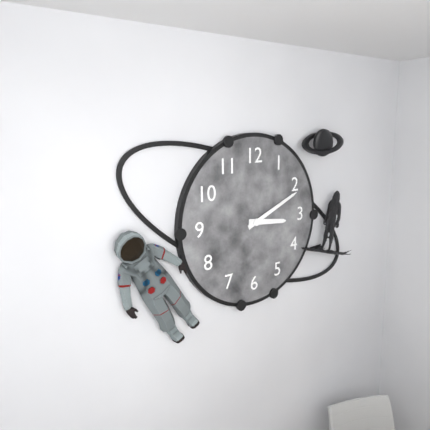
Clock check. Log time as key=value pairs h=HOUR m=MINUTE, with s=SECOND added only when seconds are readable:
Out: h=3 m=11
